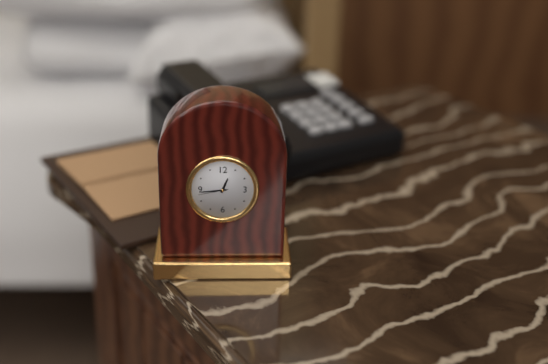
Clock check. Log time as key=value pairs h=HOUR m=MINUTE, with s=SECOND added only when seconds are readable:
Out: h=12 m=44
